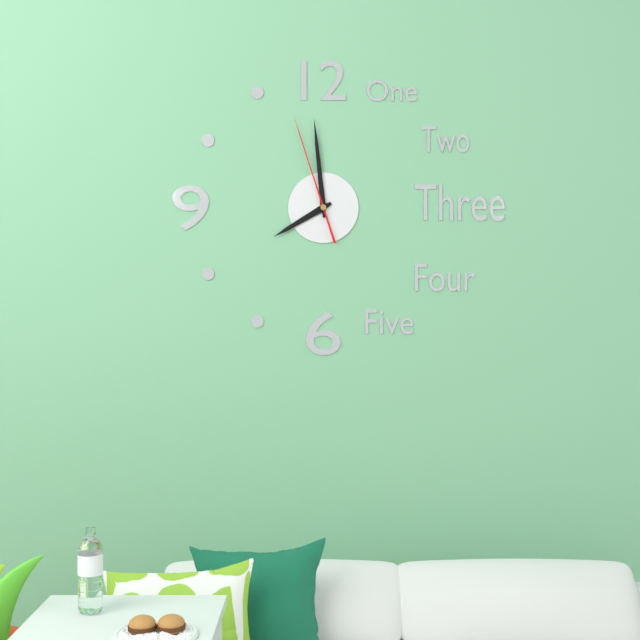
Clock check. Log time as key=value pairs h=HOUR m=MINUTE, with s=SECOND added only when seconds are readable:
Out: h=7 m=59 s=57
